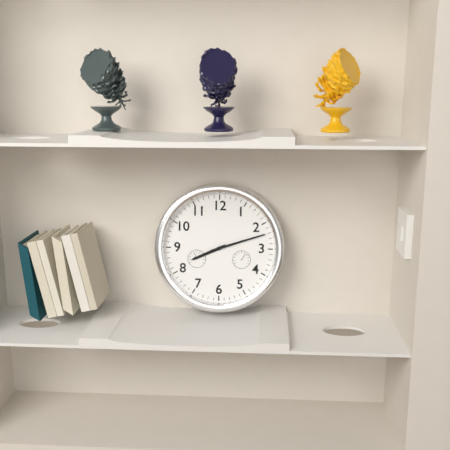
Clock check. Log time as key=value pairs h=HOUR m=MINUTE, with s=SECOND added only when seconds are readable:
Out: h=8 m=12
